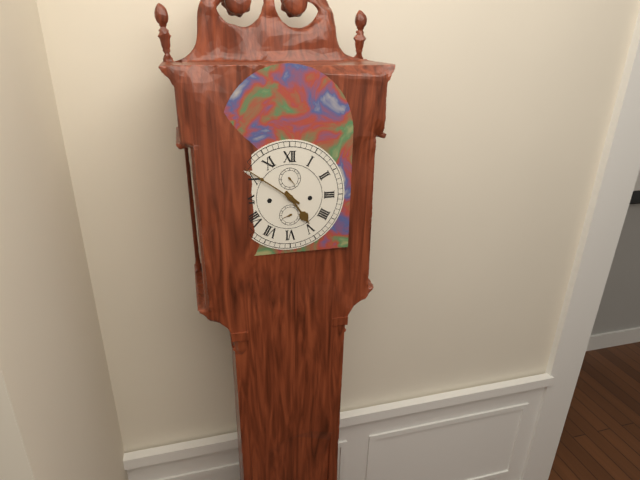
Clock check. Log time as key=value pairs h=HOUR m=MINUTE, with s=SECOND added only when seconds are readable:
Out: h=4 m=51
